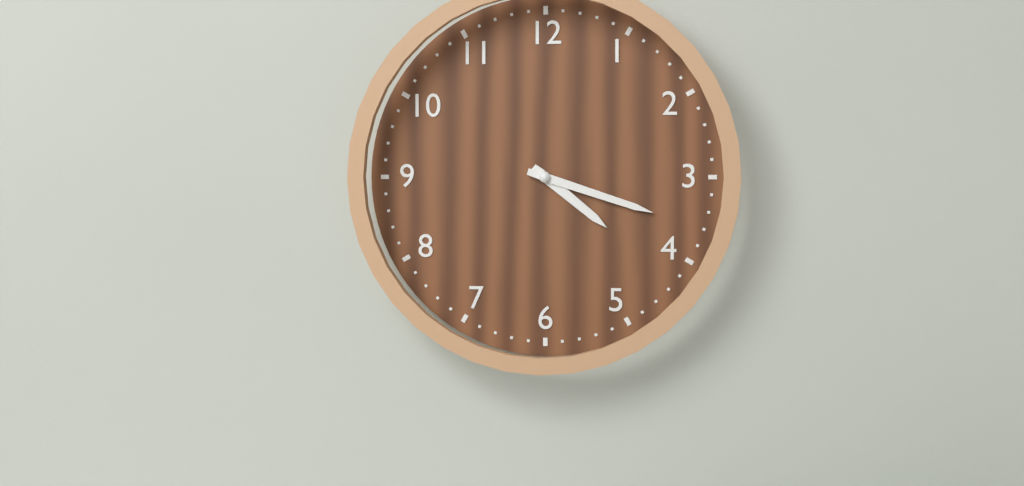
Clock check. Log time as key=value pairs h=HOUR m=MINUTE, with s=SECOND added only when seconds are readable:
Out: h=4 m=18
